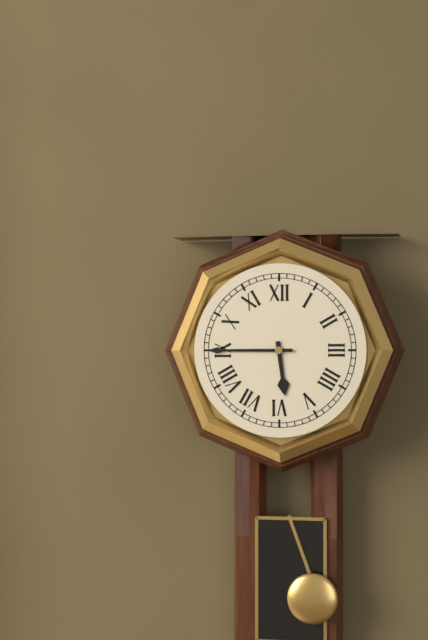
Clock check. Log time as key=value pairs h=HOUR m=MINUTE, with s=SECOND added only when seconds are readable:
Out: h=5 m=45
